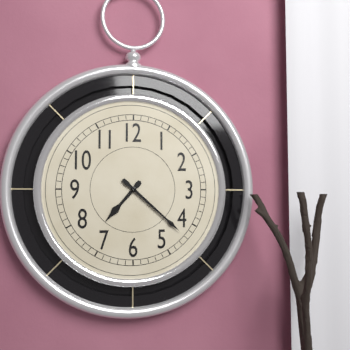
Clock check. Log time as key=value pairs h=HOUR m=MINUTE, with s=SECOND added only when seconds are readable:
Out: h=7 m=22
